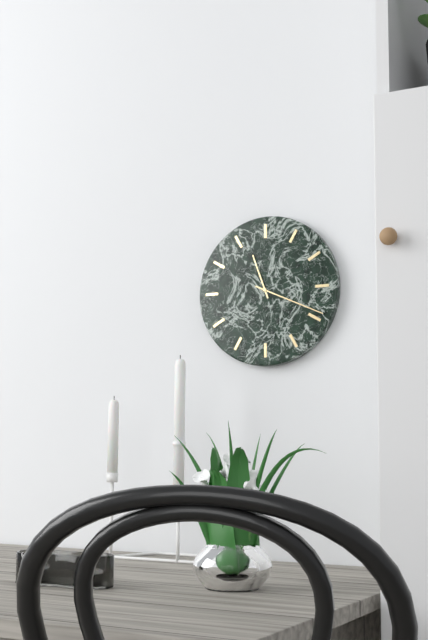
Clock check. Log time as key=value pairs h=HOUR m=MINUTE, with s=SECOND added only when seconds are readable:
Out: h=11 m=19
